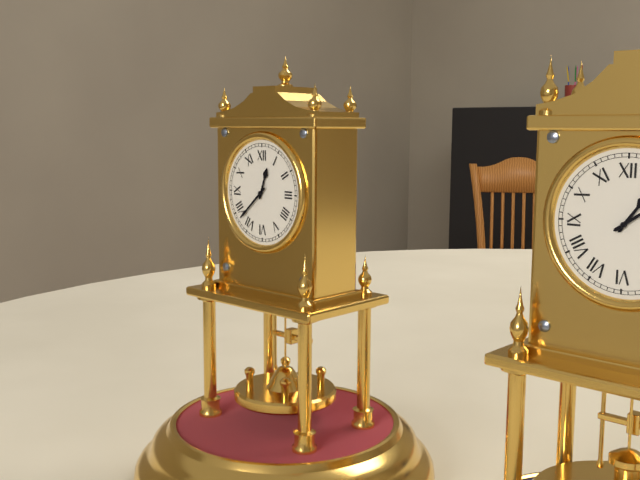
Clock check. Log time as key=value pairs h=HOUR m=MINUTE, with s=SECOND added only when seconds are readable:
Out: h=12 m=38
